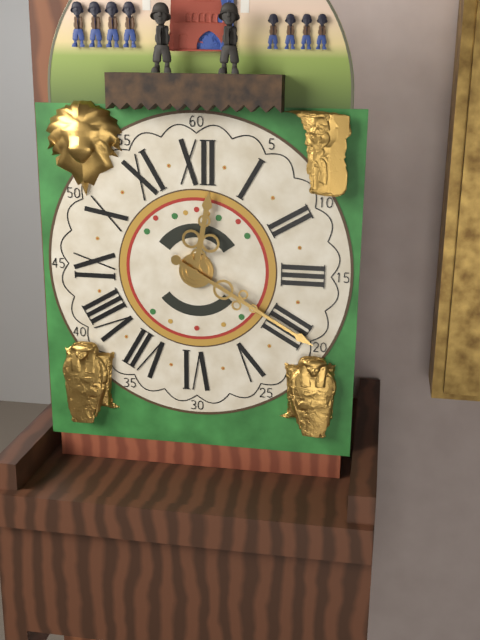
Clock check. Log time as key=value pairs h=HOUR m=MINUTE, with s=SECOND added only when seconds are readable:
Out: h=12 m=20
